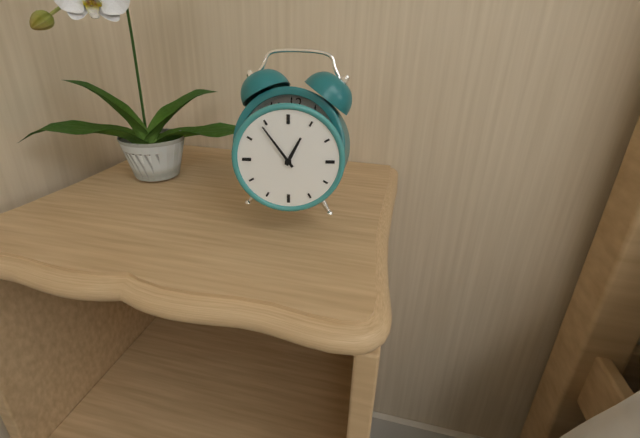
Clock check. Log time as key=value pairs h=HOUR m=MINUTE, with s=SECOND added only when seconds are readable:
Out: h=12 m=54
